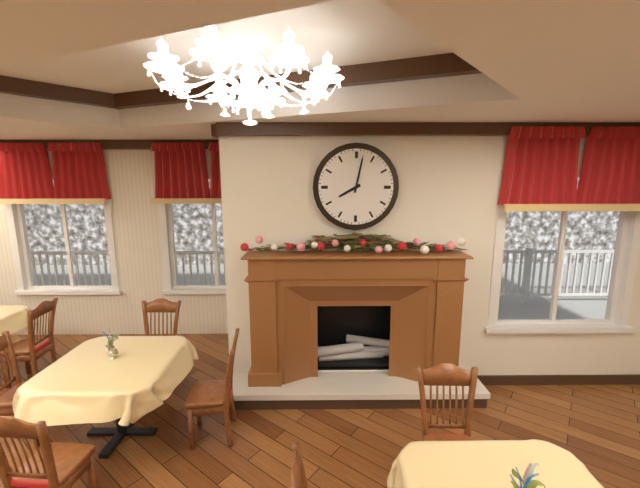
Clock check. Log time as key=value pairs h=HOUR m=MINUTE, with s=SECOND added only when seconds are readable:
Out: h=8 m=2
